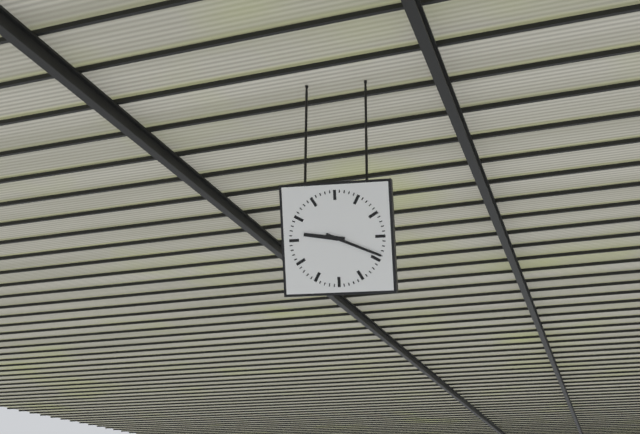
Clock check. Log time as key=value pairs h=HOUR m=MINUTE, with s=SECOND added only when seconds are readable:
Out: h=9 m=19
